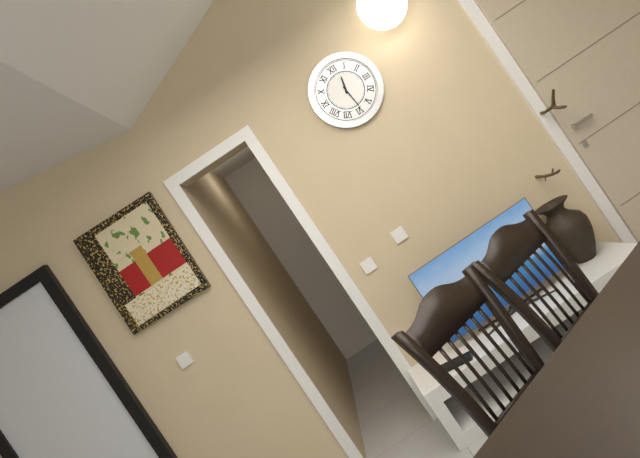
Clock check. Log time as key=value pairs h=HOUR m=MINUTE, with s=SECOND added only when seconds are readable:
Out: h=12 m=29
